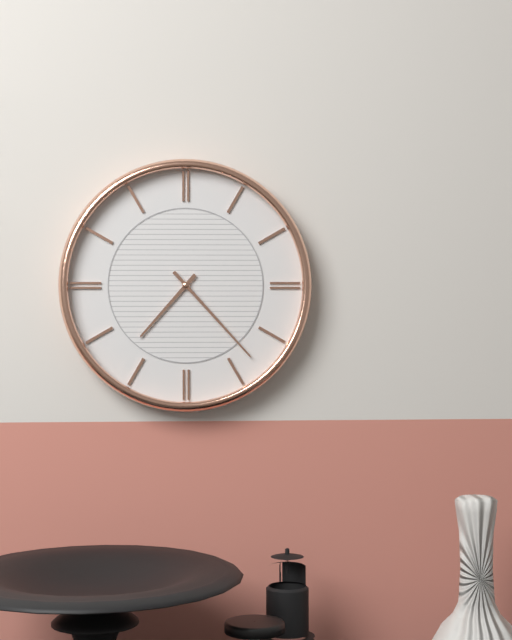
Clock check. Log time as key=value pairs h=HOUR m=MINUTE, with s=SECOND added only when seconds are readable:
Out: h=7 m=23
